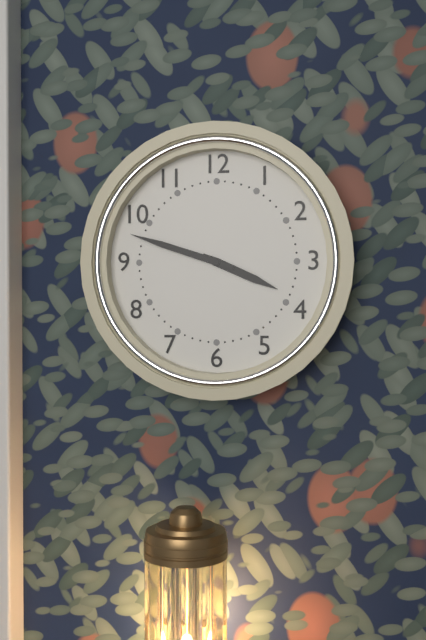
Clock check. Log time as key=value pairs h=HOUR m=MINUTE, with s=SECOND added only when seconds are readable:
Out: h=3 m=48
